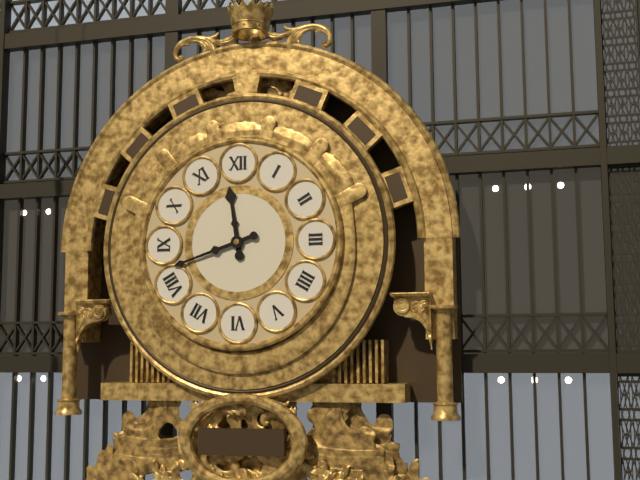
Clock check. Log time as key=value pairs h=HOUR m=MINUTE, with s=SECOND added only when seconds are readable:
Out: h=11 m=42
